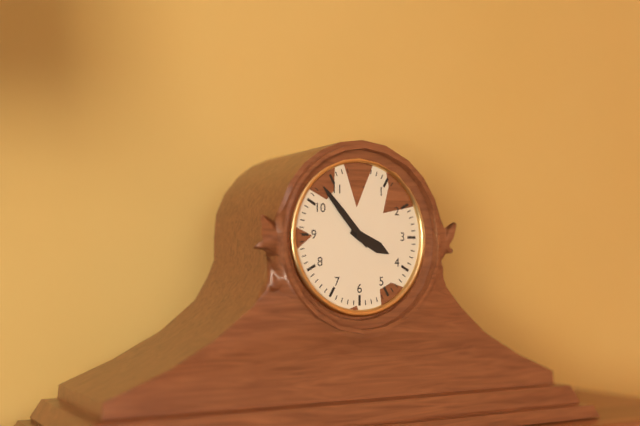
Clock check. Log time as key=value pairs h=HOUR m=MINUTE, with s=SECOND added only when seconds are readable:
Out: h=3 m=53
